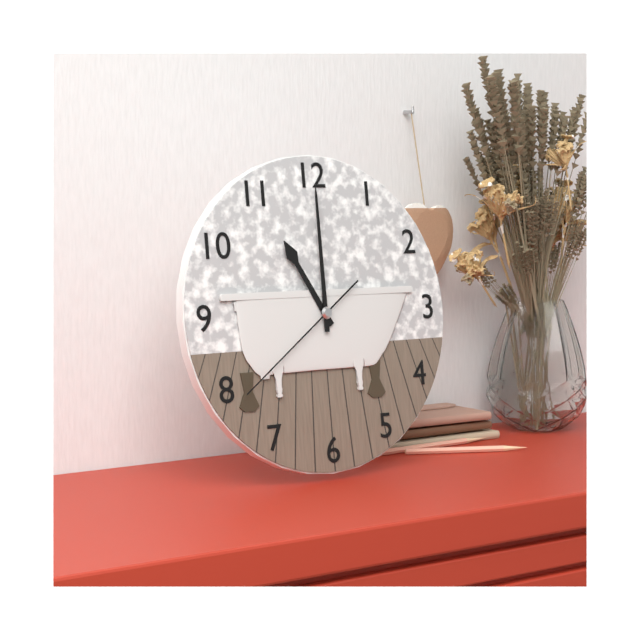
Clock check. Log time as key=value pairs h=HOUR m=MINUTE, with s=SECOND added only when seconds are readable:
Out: h=11 m=0 s=39
